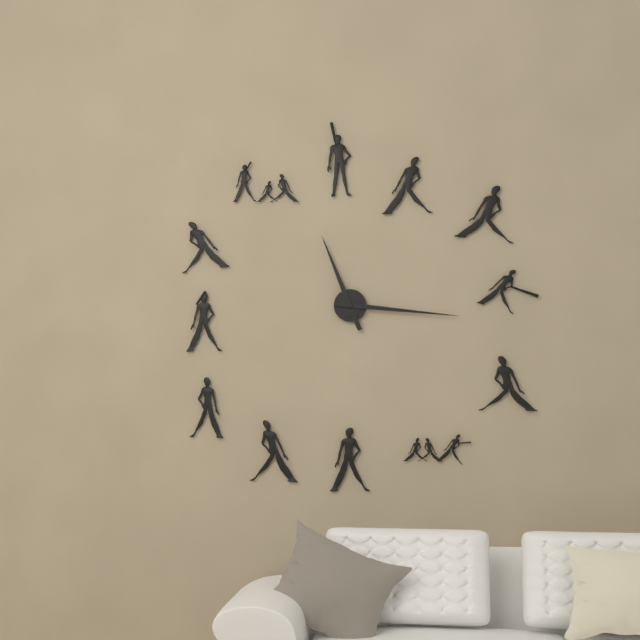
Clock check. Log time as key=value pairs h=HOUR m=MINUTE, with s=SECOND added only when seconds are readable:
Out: h=11 m=16
